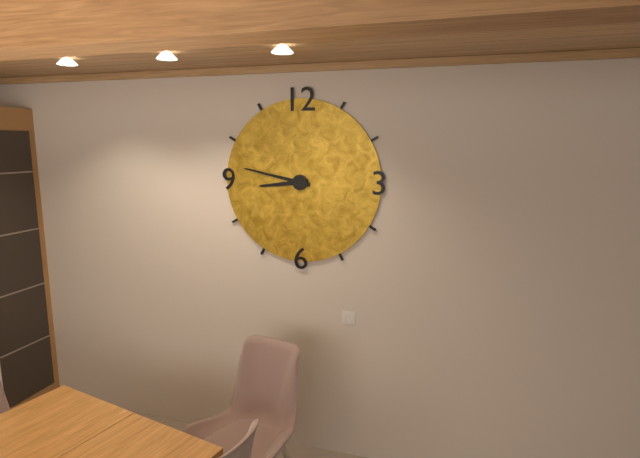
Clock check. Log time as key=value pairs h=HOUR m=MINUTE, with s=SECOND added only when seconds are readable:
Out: h=8 m=47
